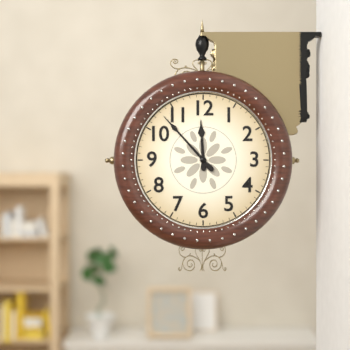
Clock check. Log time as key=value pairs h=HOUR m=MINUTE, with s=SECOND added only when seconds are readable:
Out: h=11 m=53
